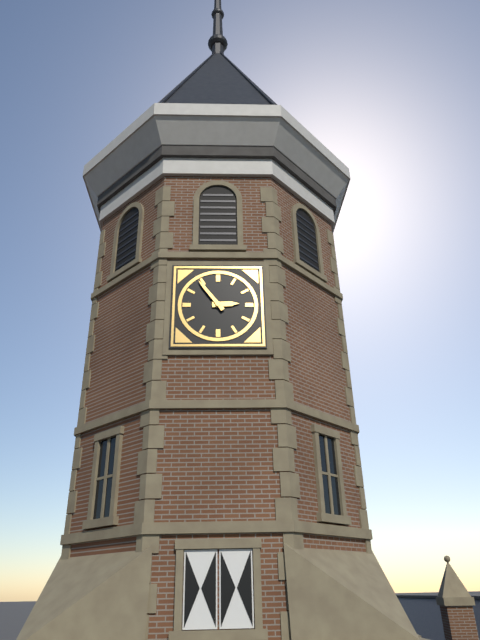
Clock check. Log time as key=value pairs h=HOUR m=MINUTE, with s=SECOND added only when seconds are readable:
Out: h=2 m=54
